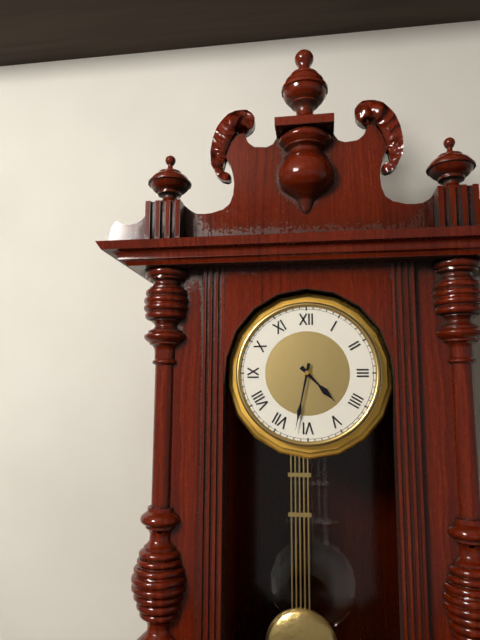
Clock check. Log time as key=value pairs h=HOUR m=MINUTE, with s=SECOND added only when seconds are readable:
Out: h=4 m=32
